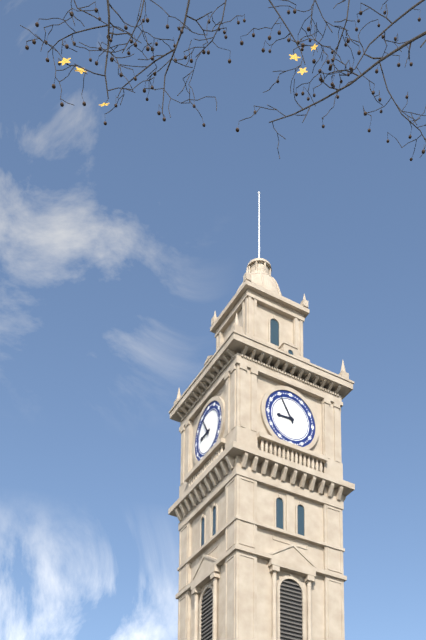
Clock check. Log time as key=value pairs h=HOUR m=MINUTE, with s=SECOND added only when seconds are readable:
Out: h=8 m=55
